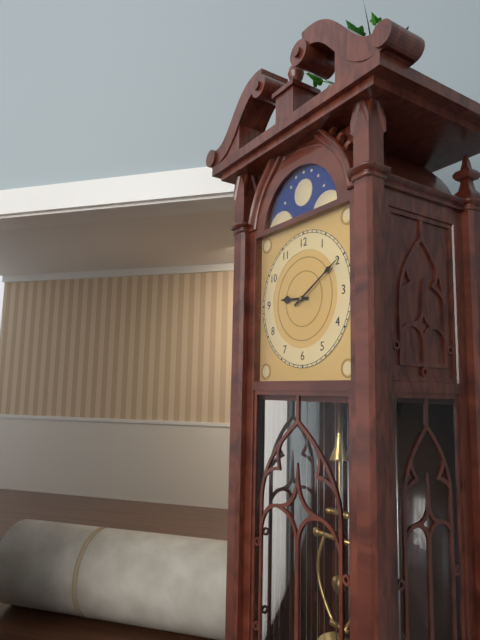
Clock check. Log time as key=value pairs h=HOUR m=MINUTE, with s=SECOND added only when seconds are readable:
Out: h=9 m=10
